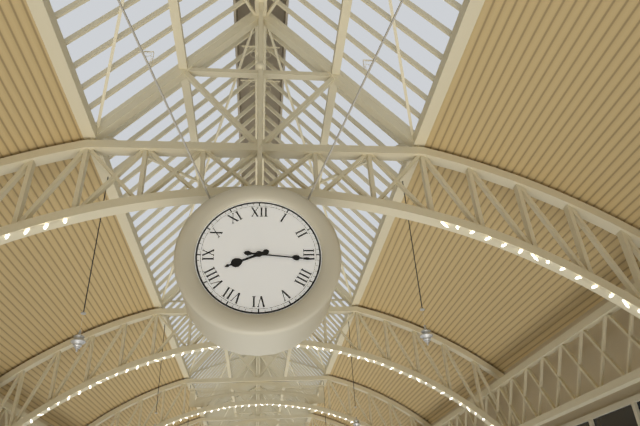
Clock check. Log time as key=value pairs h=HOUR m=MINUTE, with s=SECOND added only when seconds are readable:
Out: h=8 m=16
